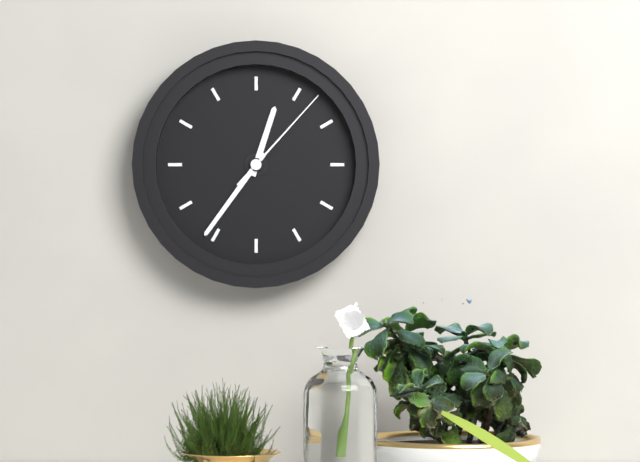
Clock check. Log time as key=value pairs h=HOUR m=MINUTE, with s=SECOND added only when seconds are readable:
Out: h=12 m=36 s=7
